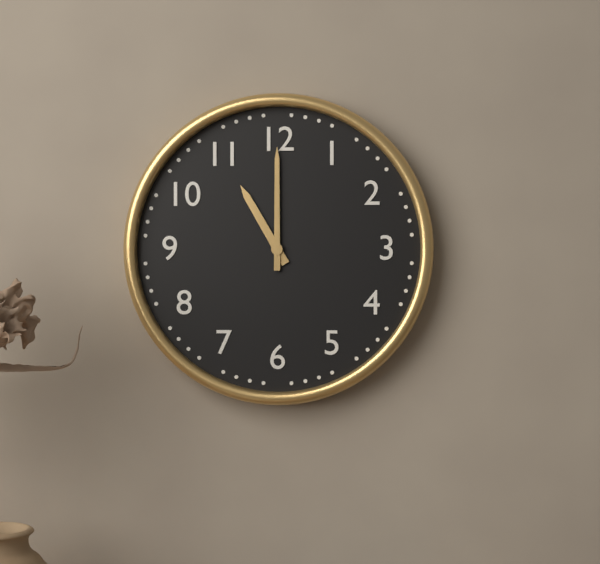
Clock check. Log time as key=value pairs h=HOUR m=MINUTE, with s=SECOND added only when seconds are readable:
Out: h=11 m=0
